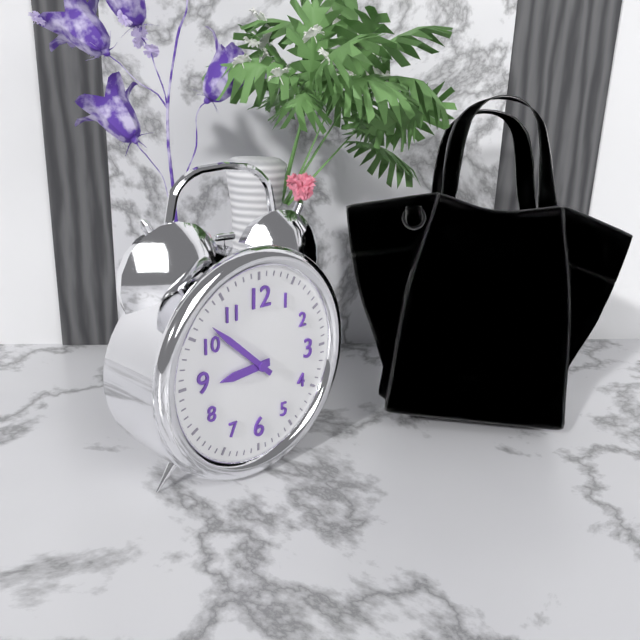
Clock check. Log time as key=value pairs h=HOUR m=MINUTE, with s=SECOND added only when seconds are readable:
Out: h=8 m=52
